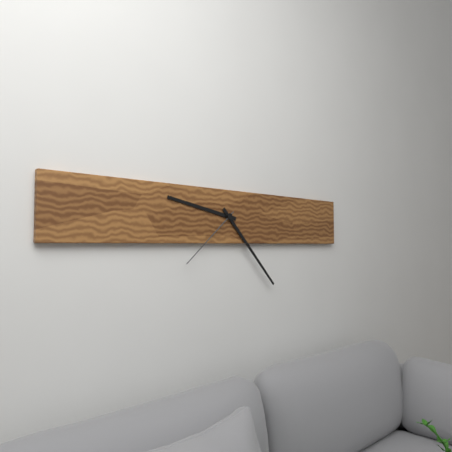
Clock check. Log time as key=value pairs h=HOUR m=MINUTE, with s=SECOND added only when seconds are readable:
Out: h=9 m=23 s=38
